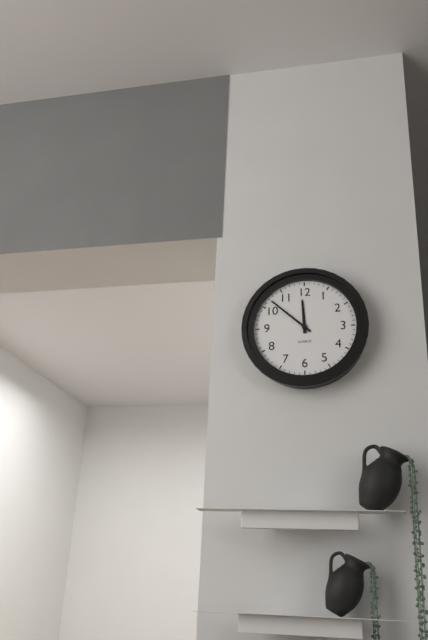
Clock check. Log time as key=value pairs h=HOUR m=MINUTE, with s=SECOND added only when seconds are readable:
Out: h=11 m=52
